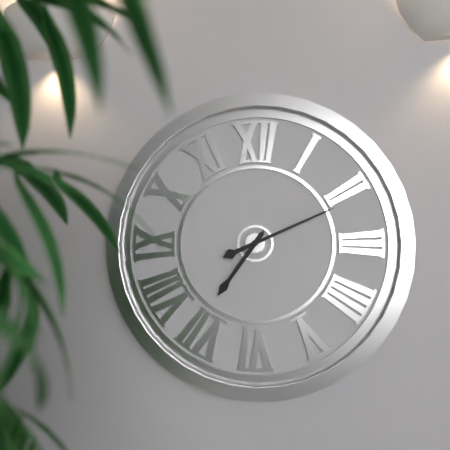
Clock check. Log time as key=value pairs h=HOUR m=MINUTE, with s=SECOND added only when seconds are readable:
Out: h=7 m=11
